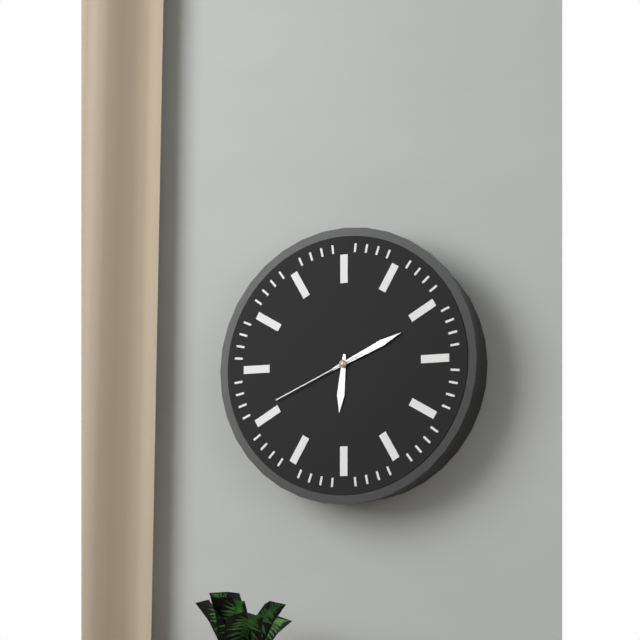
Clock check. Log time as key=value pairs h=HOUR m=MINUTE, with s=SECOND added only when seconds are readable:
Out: h=6 m=11 s=41
